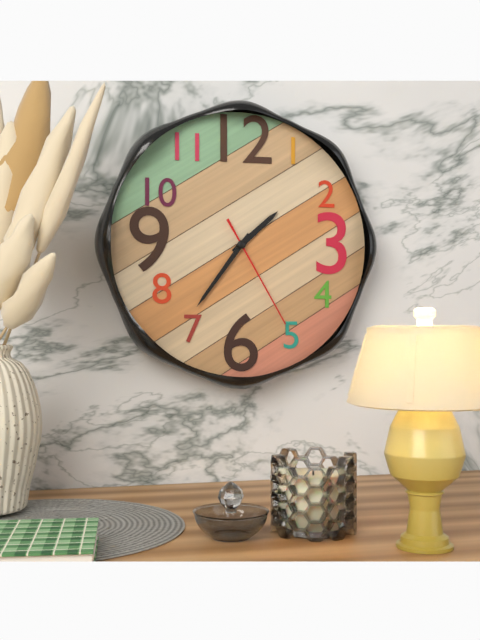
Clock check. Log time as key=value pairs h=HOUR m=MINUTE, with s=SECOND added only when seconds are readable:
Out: h=1 m=36 s=25
